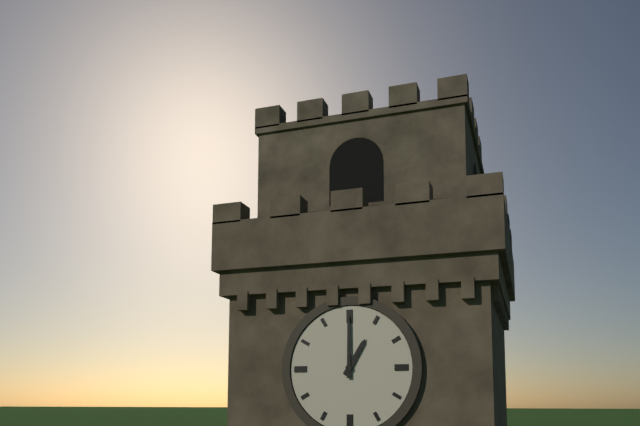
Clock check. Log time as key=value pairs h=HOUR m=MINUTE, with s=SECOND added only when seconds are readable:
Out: h=1 m=0
